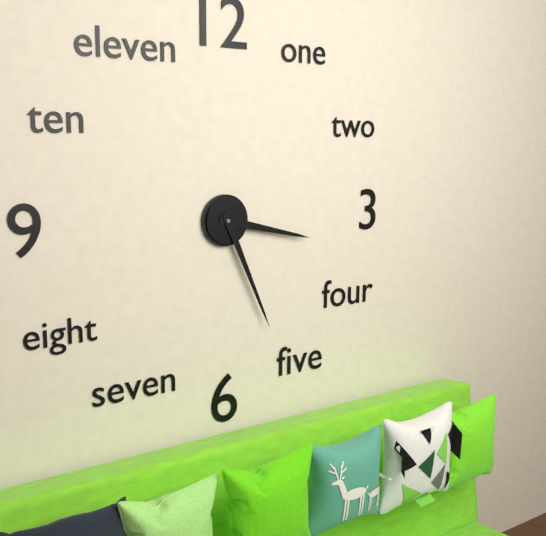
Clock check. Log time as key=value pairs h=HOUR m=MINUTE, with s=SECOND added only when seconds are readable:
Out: h=3 m=26
